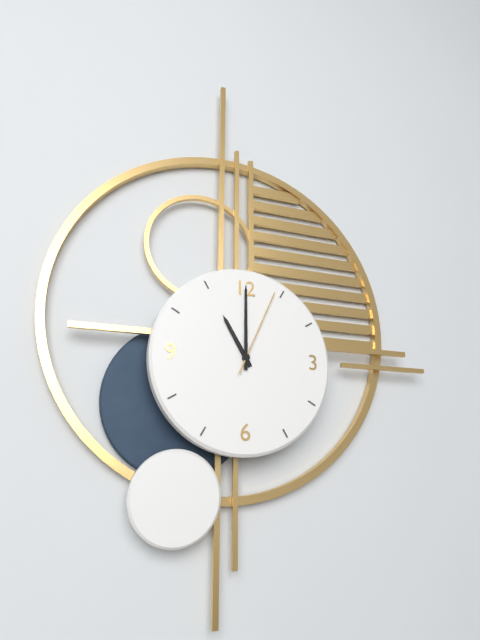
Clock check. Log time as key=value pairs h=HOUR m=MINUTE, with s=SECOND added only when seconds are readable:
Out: h=11 m=0 s=4
